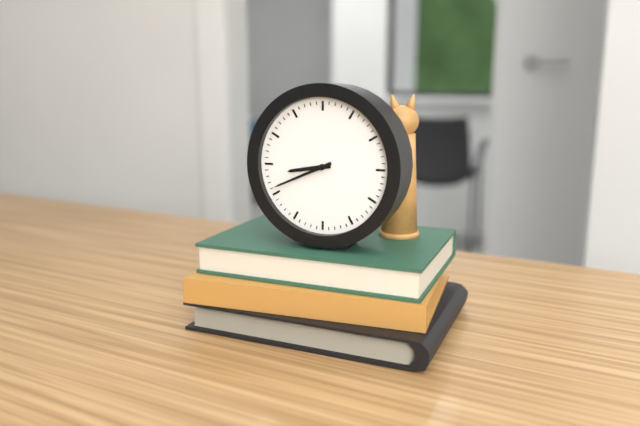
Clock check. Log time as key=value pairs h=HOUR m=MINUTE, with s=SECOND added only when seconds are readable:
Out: h=8 m=41
